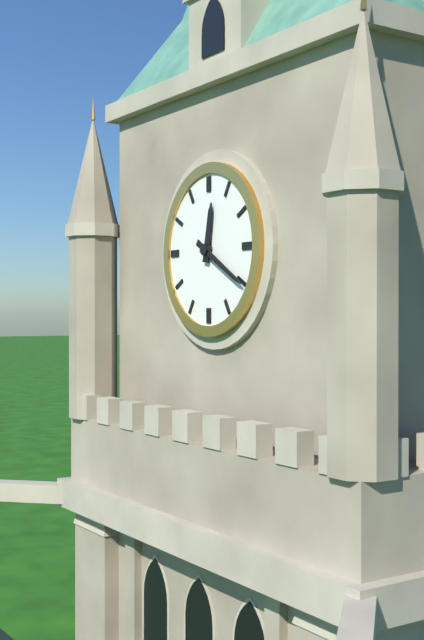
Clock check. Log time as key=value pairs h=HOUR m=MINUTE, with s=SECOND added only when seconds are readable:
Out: h=12 m=20
